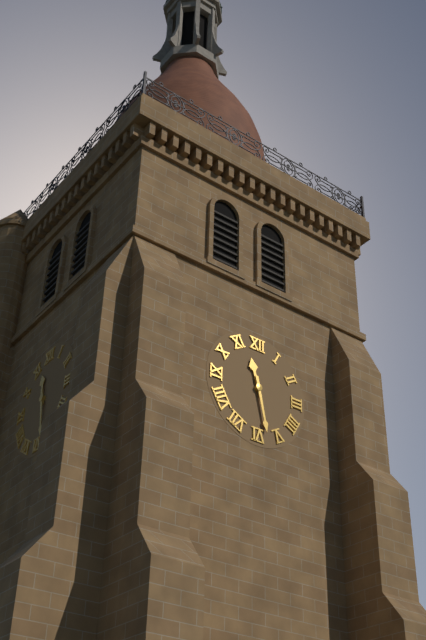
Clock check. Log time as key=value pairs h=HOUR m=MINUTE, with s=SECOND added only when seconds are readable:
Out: h=11 m=28
